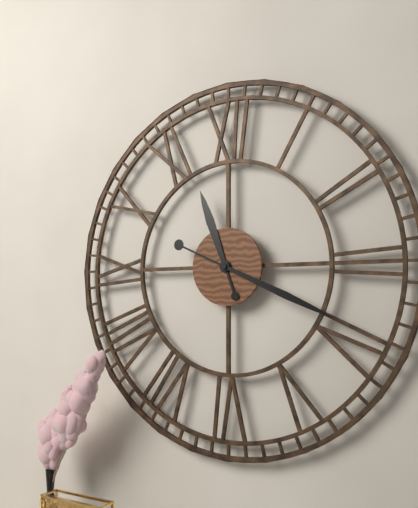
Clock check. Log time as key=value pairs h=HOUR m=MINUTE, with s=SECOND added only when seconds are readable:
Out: h=11 m=19
